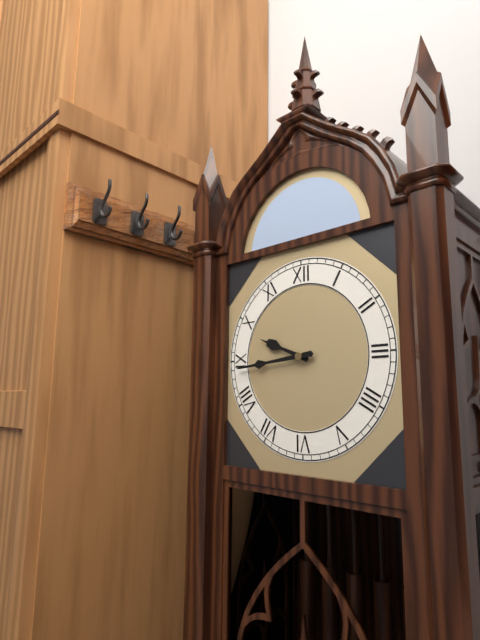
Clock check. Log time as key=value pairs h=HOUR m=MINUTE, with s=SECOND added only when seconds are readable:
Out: h=9 m=44
